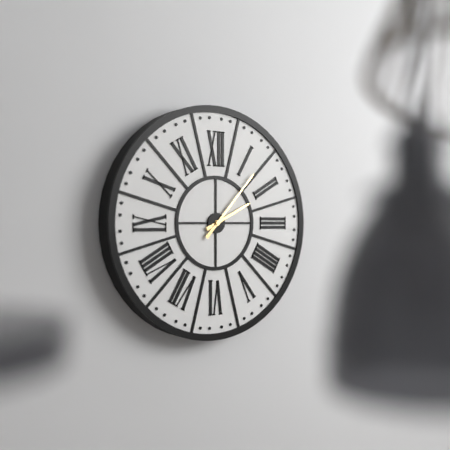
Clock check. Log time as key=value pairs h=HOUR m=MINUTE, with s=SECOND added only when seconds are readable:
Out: h=2 m=7
